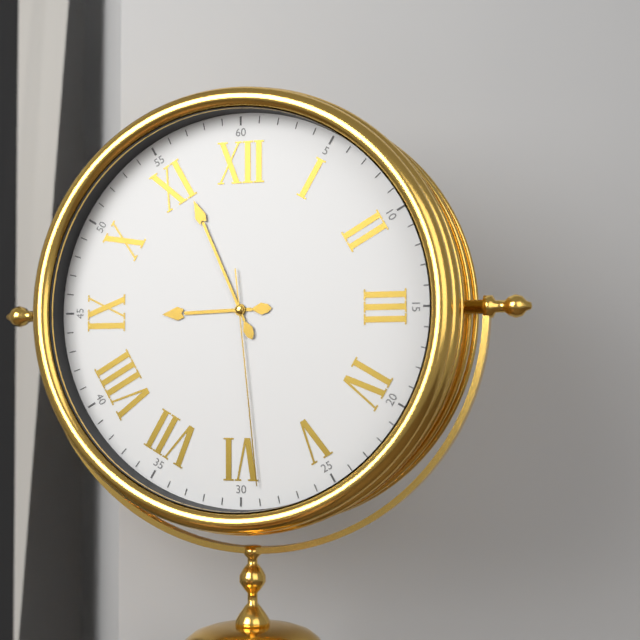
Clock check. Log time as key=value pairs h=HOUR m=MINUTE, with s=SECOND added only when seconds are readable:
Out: h=8 m=56 s=29
